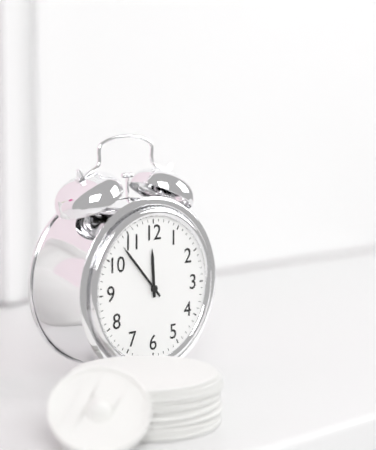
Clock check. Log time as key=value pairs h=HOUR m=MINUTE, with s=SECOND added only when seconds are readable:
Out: h=11 m=53
